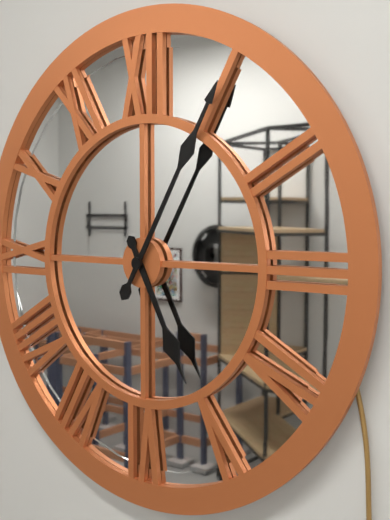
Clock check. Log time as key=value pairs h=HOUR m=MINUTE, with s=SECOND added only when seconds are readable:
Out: h=5 m=5
